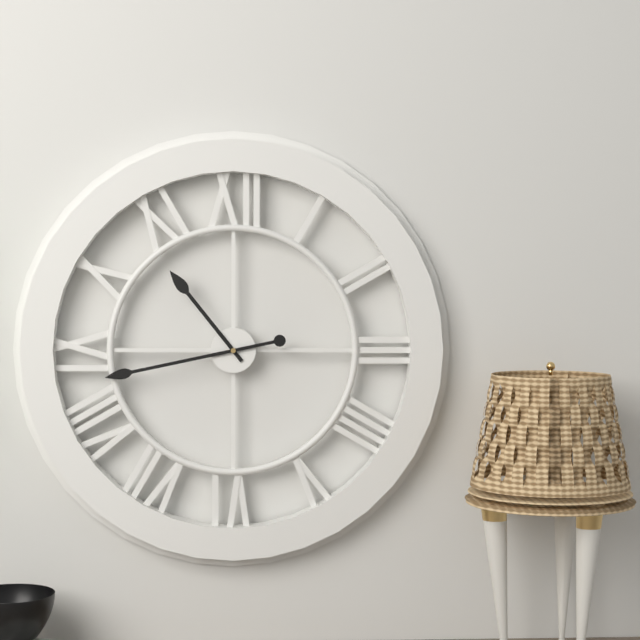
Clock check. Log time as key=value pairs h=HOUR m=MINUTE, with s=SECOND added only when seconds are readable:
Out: h=10 m=43
